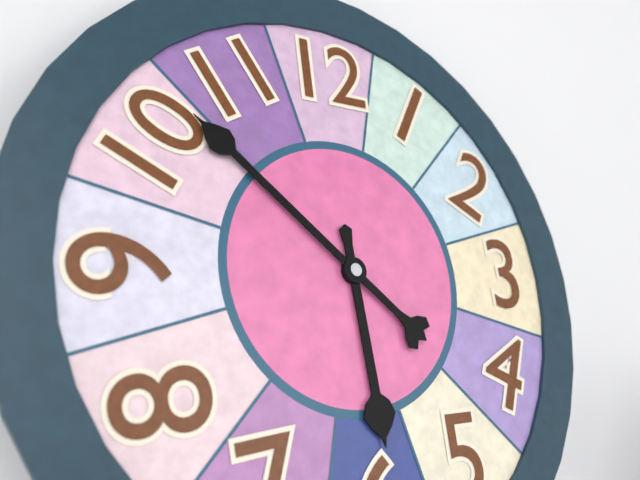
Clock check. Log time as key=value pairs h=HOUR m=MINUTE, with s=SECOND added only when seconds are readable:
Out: h=5 m=52
